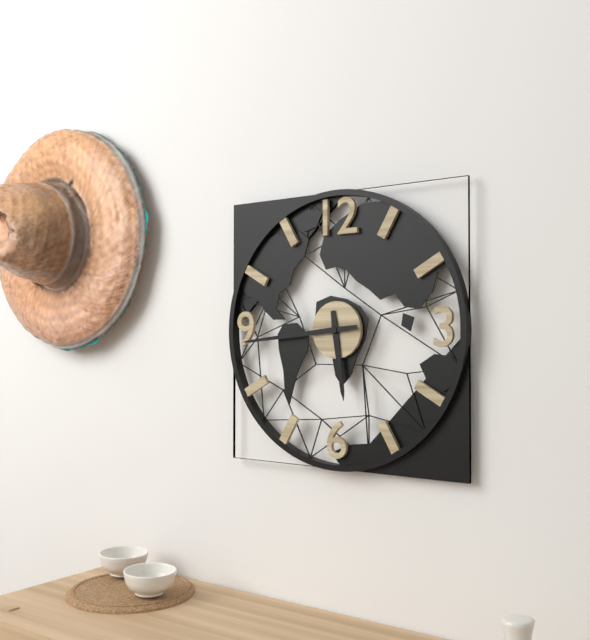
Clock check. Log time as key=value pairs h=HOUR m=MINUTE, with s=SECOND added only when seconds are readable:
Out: h=5 m=44
